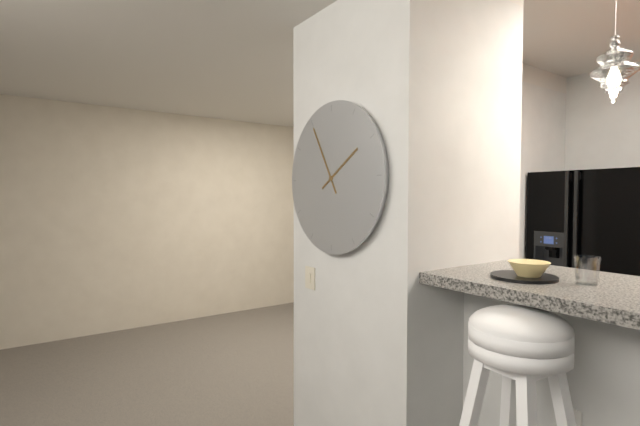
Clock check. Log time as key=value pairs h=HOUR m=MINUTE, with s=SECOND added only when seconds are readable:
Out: h=1 m=55
